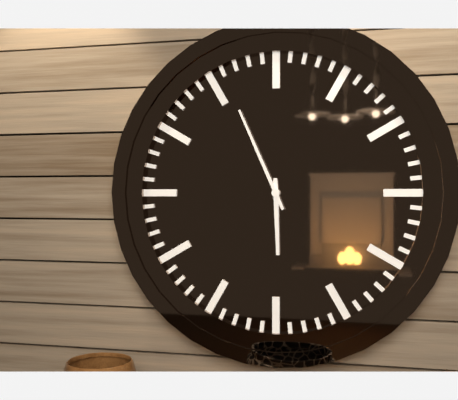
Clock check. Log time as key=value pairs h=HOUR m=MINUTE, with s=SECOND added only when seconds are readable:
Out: h=5 m=56
